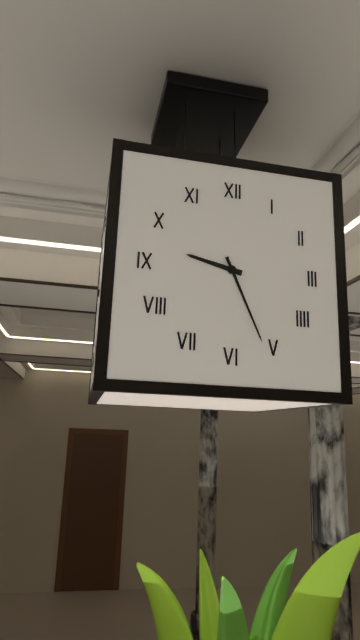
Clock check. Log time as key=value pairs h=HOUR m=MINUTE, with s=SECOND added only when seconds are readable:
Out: h=9 m=26
